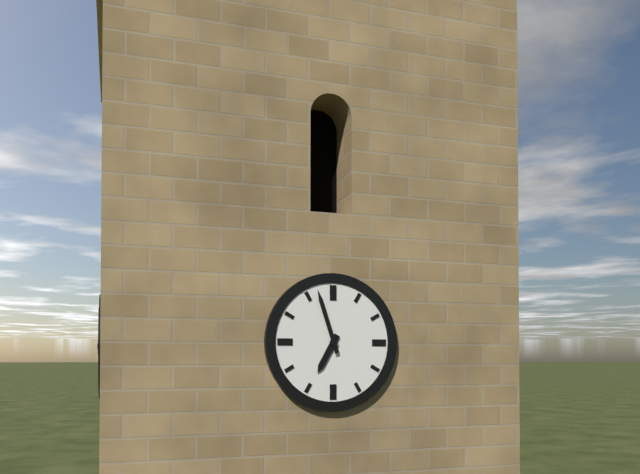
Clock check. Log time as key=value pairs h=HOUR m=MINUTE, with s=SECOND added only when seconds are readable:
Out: h=6 m=57
